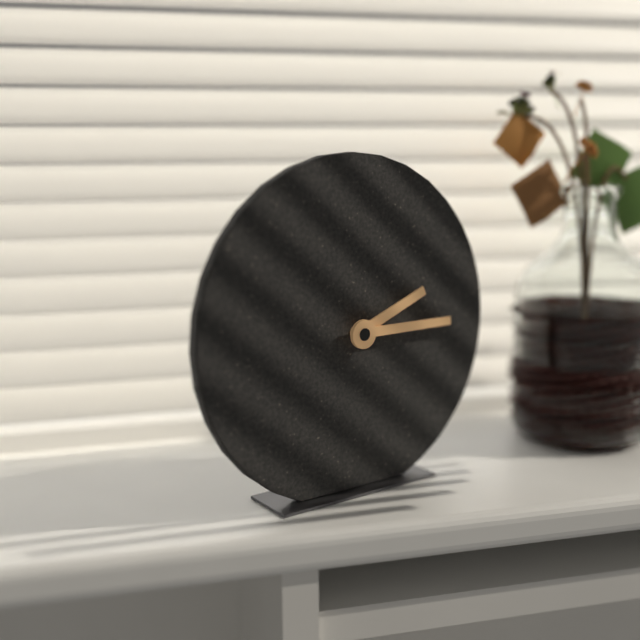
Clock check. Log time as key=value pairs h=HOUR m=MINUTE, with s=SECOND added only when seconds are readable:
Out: h=2 m=15
